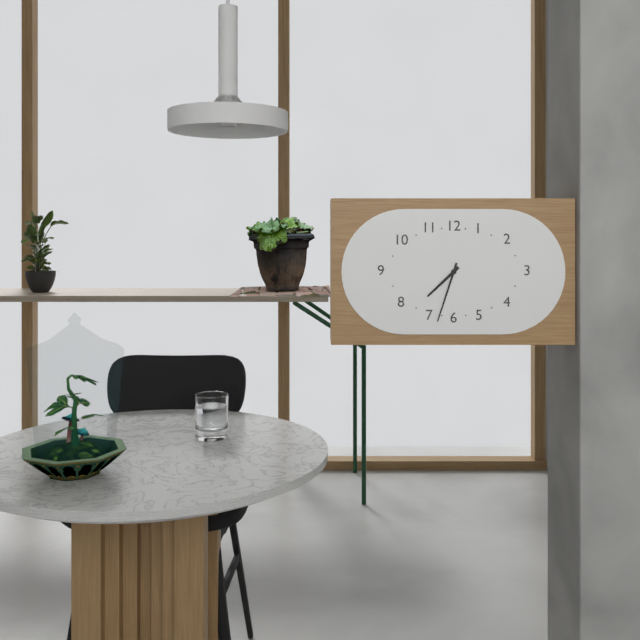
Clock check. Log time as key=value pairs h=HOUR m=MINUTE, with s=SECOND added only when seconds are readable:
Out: h=7 m=33
